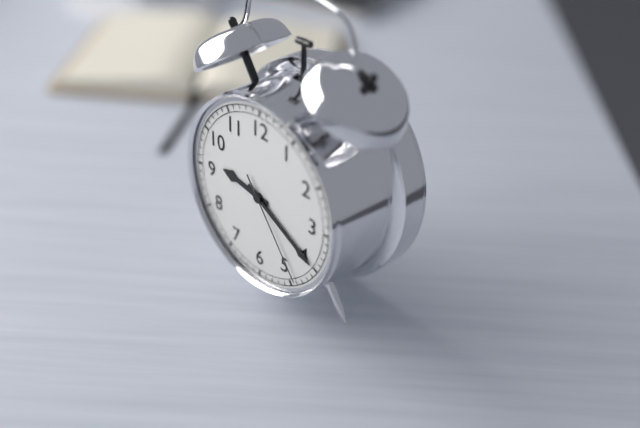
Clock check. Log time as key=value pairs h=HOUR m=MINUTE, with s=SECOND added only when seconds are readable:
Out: h=9 m=20 s=24
